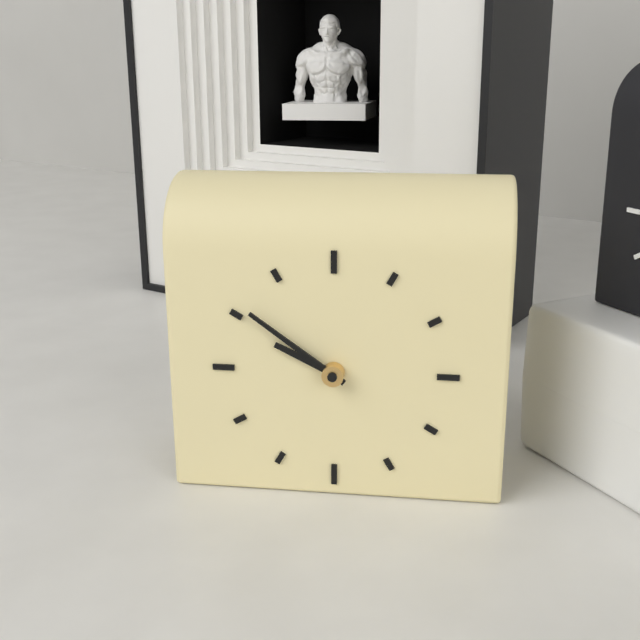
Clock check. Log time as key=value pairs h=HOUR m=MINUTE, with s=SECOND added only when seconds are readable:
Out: h=9 m=51
